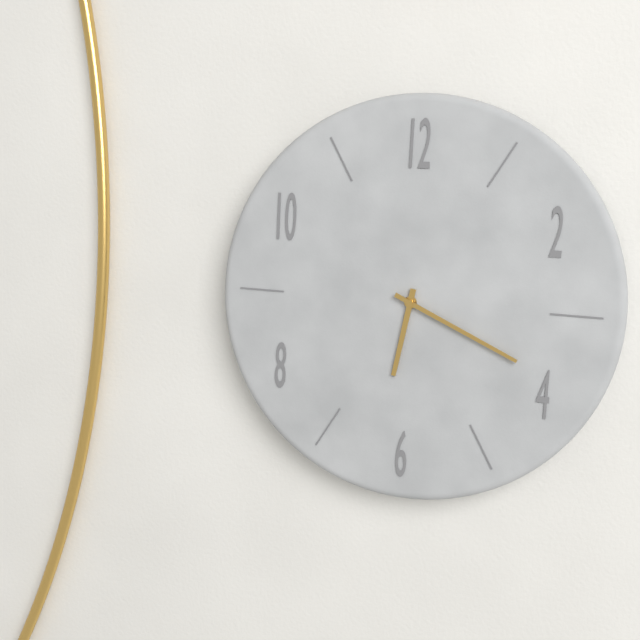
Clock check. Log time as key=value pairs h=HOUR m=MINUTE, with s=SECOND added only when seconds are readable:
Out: h=6 m=19
